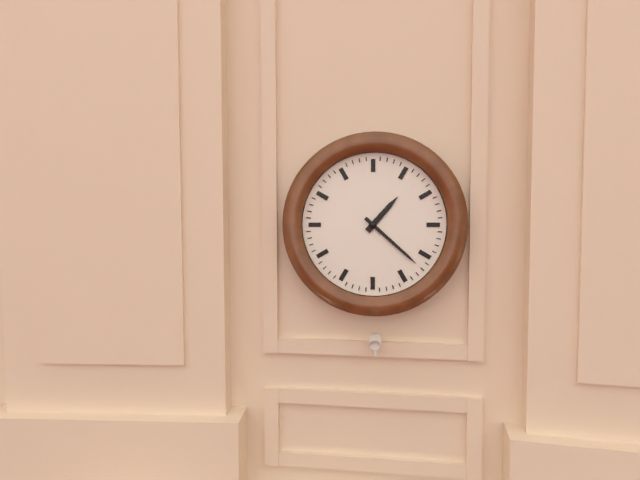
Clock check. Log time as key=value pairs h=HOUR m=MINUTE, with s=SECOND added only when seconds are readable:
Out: h=1 m=22
